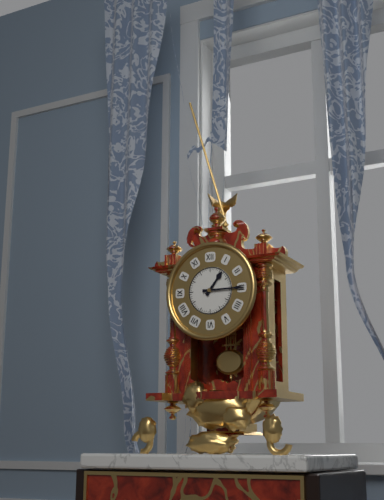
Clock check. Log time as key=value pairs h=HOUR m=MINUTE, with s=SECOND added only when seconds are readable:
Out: h=1 m=15
